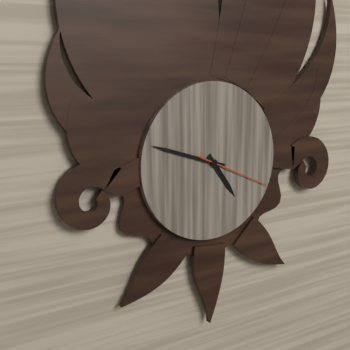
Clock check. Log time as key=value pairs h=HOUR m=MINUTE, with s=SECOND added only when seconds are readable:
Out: h=4 m=48 s=19
